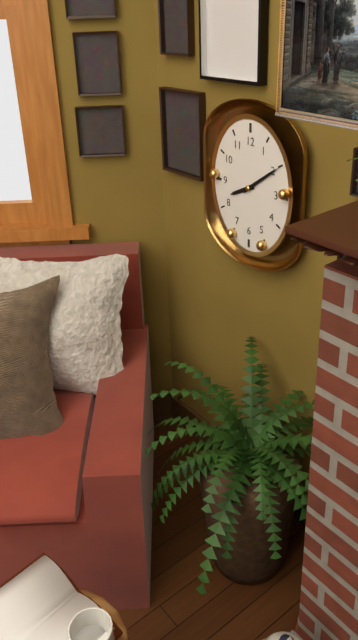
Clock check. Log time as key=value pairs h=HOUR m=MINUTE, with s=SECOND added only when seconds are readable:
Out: h=8 m=9
